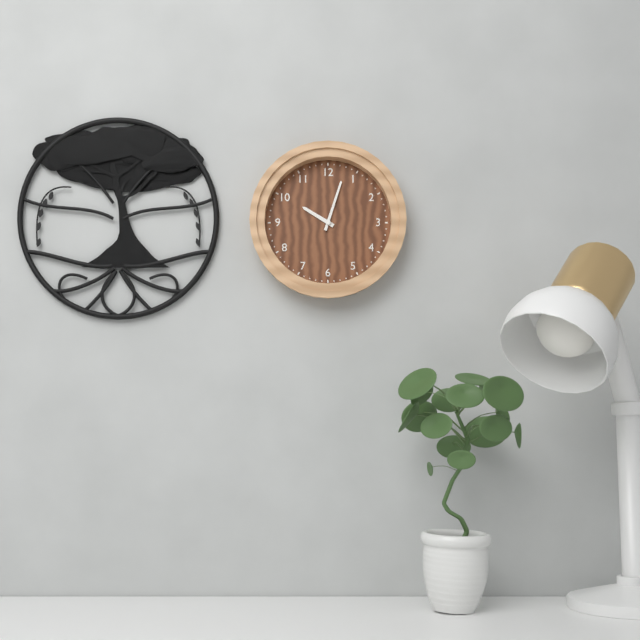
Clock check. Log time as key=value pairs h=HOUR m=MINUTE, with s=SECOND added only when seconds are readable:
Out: h=10 m=3
